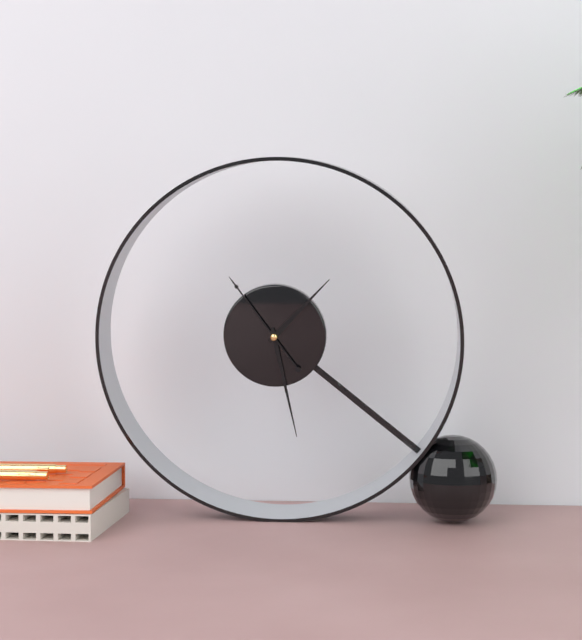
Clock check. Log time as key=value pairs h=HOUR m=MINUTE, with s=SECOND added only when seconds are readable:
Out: h=1 m=28 s=54
